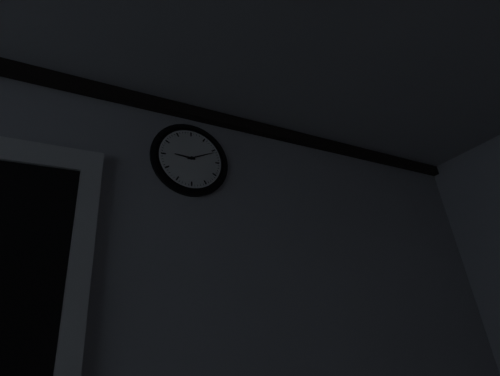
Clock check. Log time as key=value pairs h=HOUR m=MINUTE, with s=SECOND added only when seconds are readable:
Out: h=9 m=11
